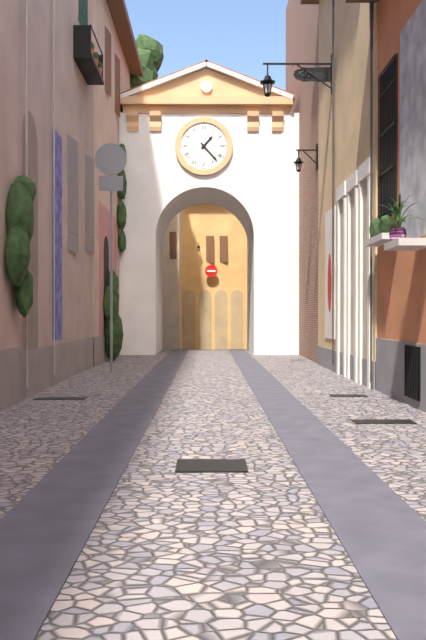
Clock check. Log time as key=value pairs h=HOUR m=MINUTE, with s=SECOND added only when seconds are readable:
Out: h=1 m=23
